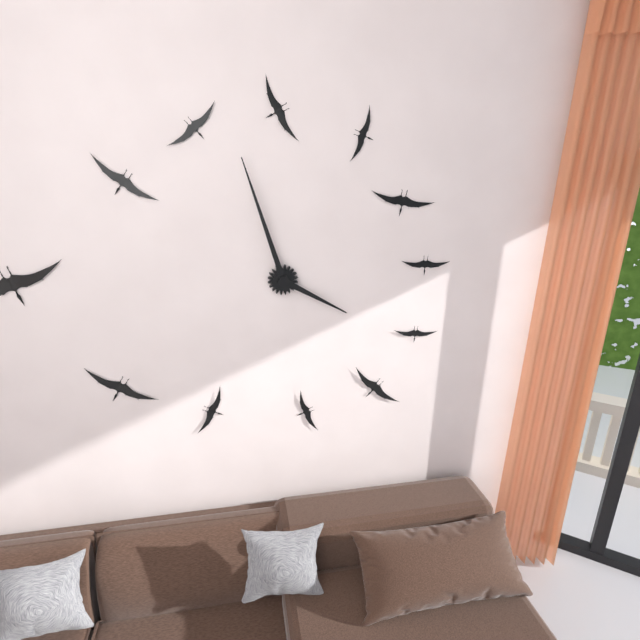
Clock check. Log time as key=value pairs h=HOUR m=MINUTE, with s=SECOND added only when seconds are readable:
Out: h=3 m=57
